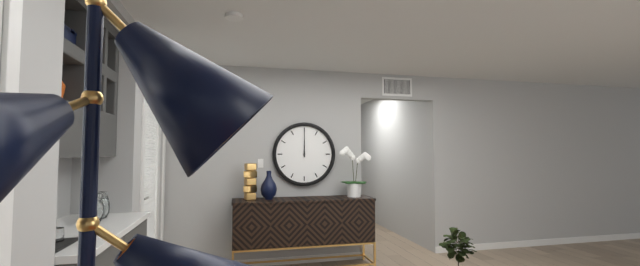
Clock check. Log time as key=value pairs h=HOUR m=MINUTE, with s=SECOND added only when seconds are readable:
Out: h=12 m=0
